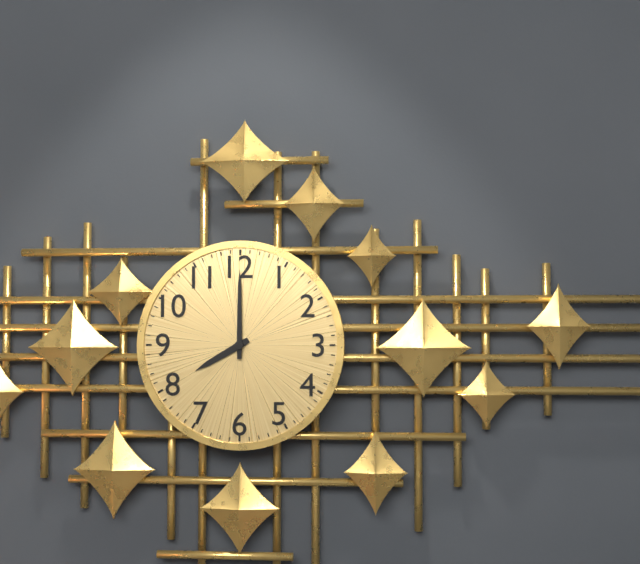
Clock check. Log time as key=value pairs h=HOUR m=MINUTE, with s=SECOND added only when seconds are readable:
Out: h=8 m=0
